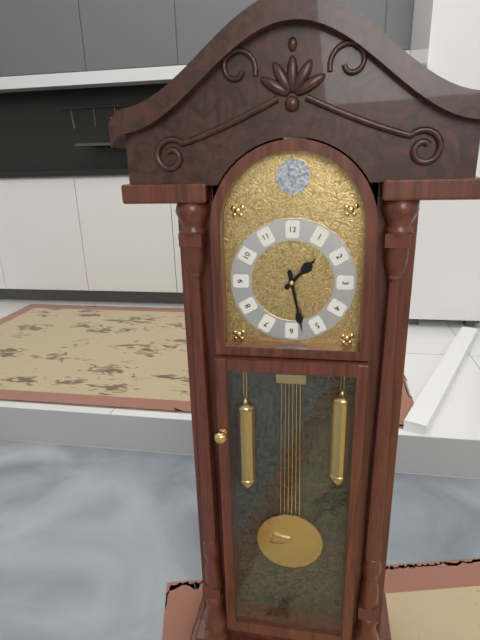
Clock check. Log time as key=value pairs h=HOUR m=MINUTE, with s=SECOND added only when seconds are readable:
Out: h=1 m=28
